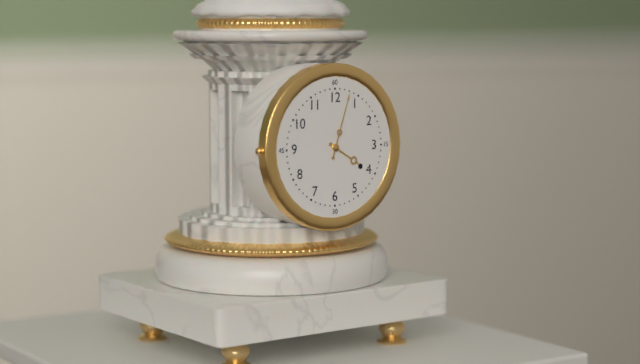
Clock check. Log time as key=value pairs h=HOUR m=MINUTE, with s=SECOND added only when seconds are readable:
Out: h=4 m=3
